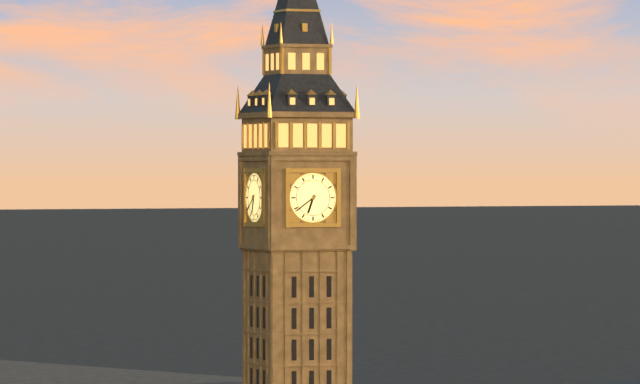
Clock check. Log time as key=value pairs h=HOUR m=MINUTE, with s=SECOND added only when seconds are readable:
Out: h=6 m=39
